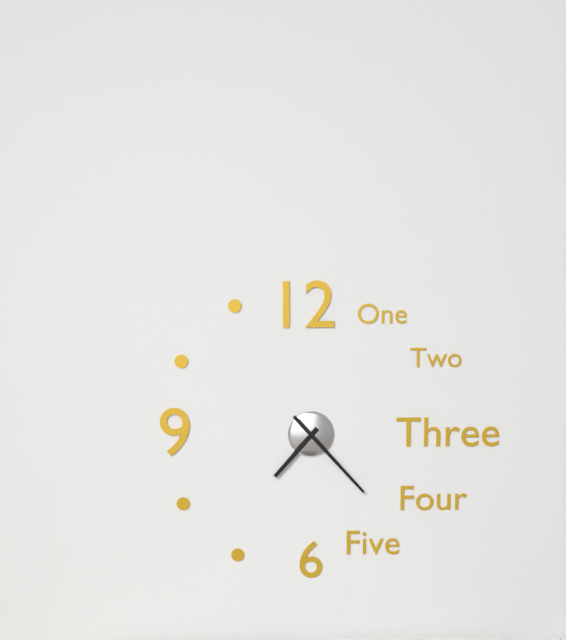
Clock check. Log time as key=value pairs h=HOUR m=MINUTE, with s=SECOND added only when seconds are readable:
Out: h=7 m=23
